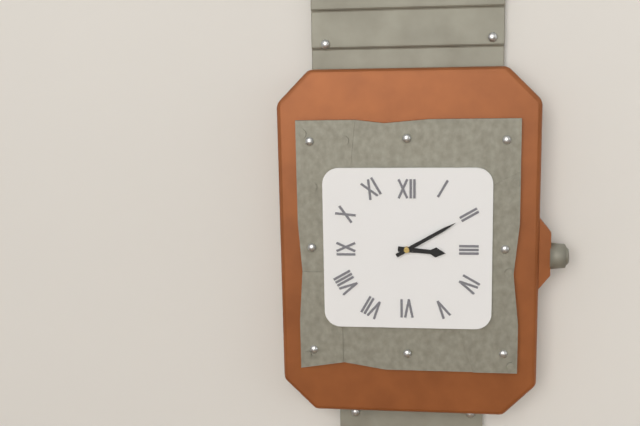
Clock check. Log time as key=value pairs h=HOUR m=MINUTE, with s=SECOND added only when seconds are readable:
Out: h=3 m=10
